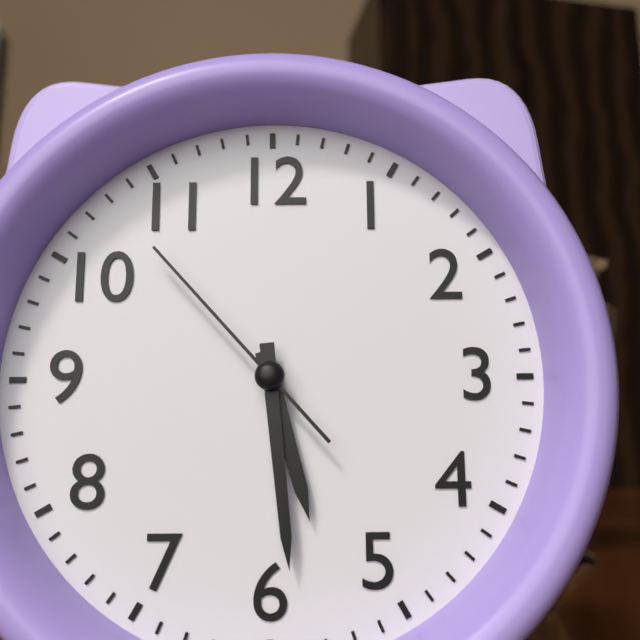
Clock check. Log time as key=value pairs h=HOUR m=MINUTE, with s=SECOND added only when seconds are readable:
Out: h=5 m=29 s=53
